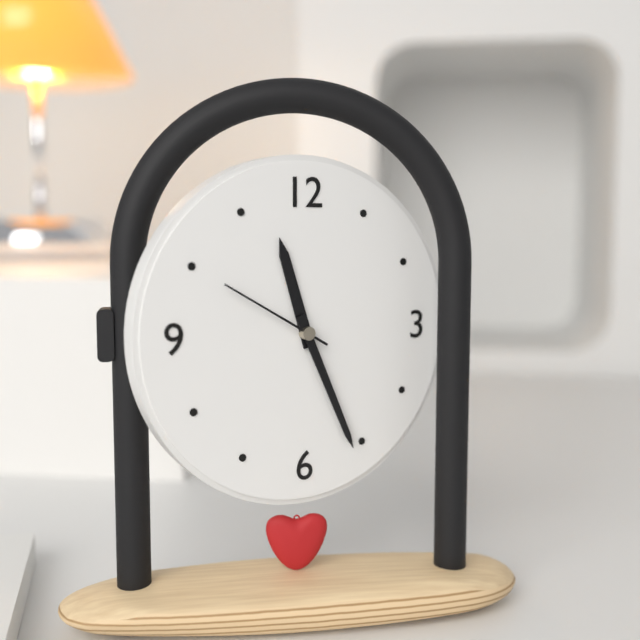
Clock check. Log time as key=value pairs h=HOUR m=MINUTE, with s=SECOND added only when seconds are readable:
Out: h=11 m=26 s=50
